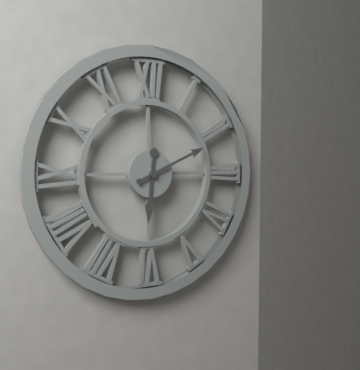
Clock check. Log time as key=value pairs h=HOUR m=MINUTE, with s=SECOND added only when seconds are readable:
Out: h=6 m=11
